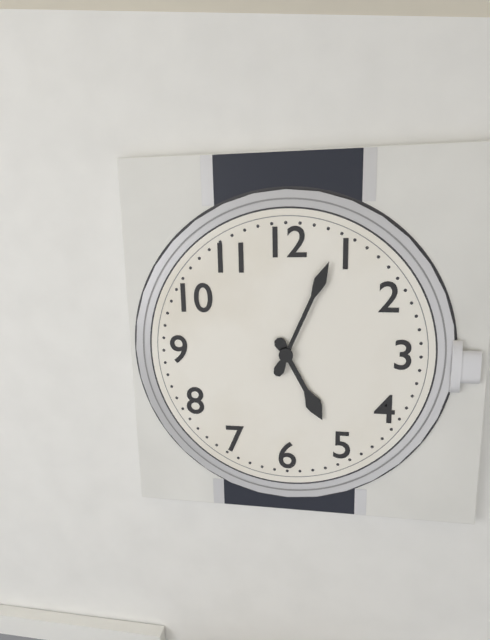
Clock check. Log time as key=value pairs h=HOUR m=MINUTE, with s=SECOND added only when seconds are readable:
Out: h=5 m=4
